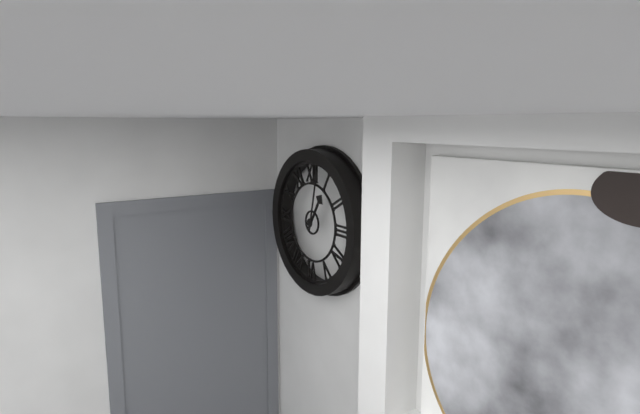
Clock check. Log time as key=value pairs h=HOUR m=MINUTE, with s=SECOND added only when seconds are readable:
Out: h=1 m=2
